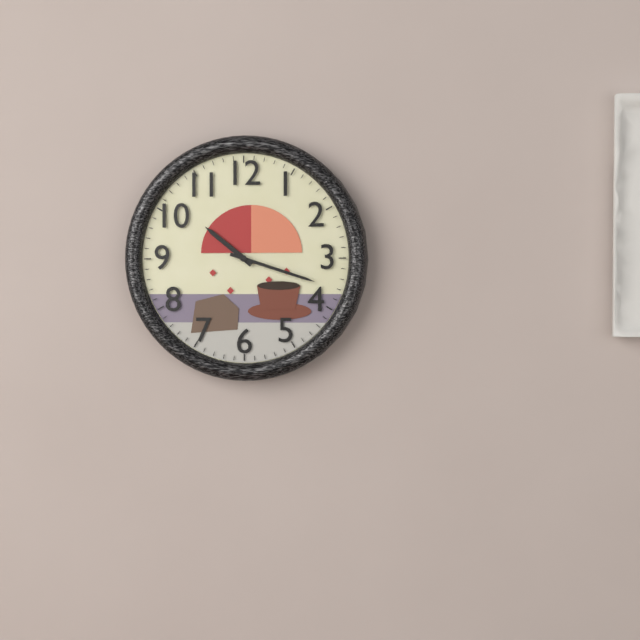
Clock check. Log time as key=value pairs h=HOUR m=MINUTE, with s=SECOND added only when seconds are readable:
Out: h=10 m=18
